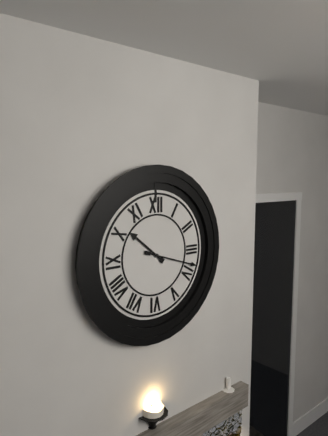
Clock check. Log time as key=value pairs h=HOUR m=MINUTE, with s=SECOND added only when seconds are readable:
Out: h=10 m=18
